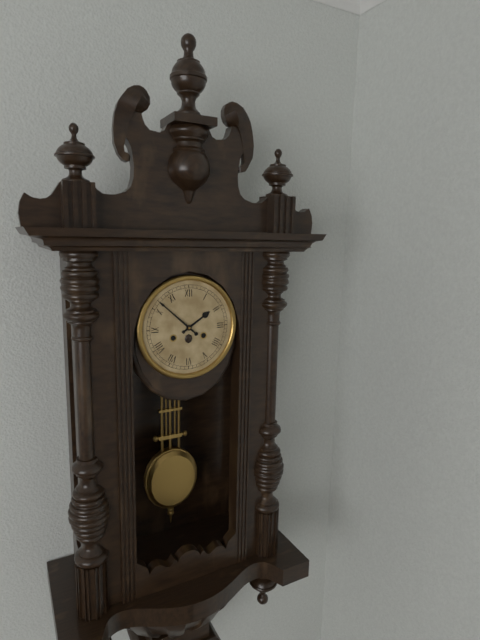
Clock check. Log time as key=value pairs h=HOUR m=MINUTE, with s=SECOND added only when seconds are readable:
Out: h=1 m=52
